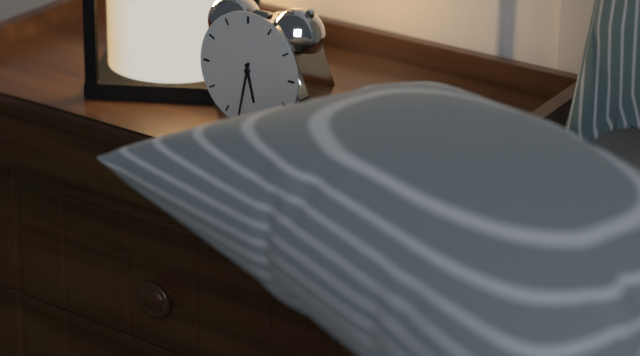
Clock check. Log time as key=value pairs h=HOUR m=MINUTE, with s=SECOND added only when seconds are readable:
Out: h=5 m=32
